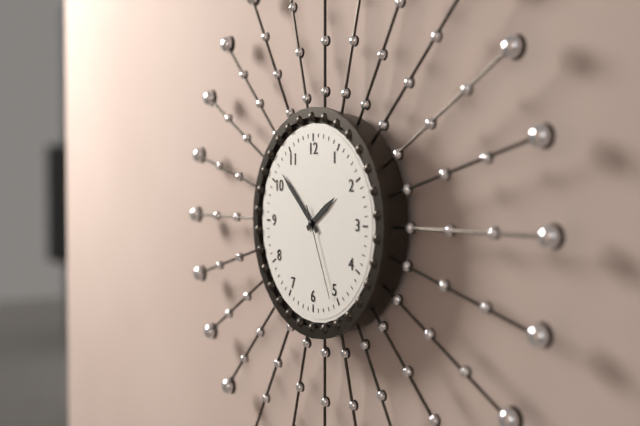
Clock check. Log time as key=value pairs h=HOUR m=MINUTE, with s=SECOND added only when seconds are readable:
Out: h=1 m=52 s=26
